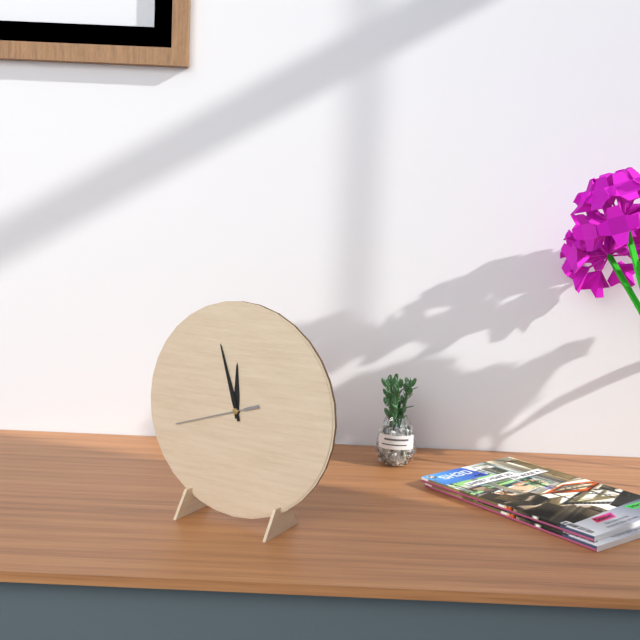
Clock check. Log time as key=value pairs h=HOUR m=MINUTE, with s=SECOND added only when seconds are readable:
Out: h=11 m=57 s=42
